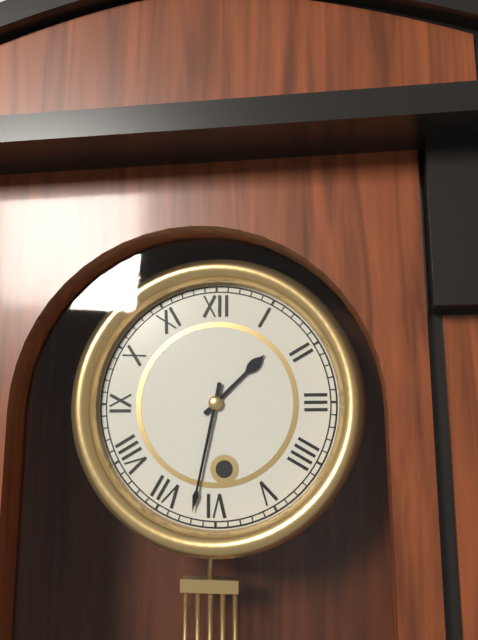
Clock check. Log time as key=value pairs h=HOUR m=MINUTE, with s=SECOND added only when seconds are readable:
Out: h=1 m=32
